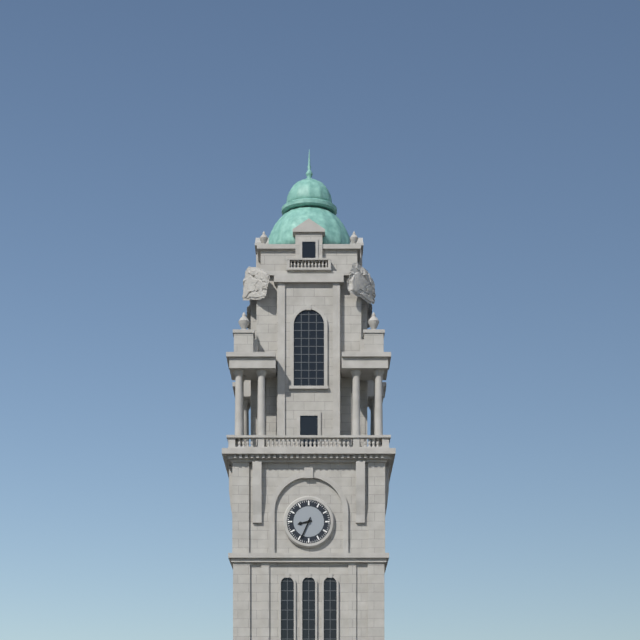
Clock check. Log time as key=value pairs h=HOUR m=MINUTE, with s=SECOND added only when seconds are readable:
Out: h=8 m=34
